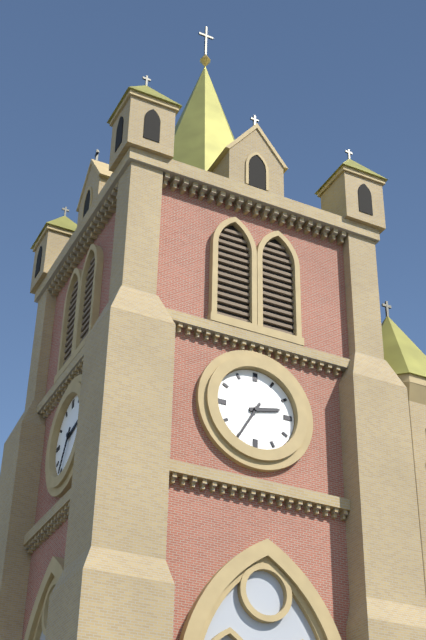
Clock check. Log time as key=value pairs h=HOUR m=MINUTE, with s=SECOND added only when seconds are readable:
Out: h=2 m=35
